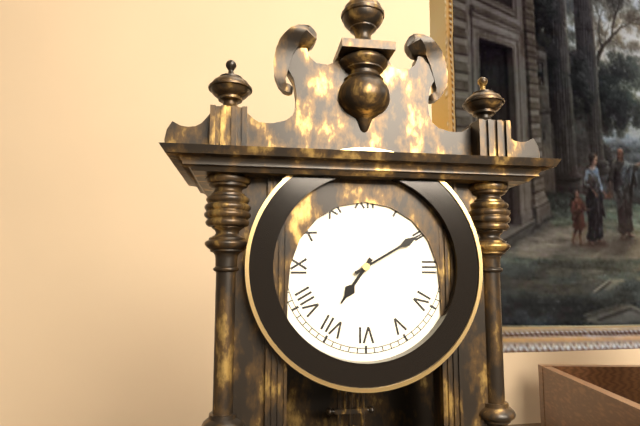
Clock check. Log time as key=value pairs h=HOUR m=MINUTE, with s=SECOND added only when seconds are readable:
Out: h=7 m=10
